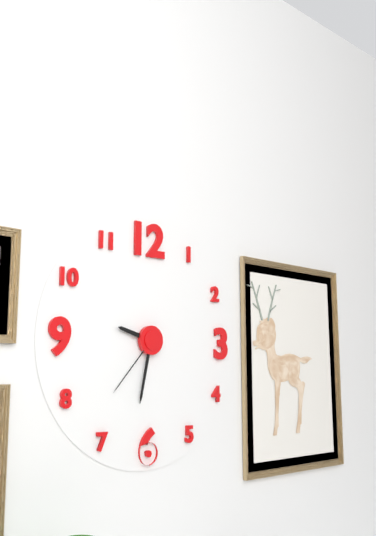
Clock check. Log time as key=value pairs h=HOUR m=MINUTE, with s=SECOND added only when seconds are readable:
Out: h=9 m=32 s=37
